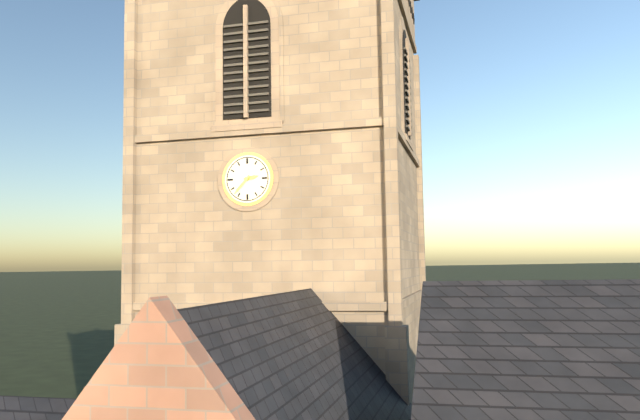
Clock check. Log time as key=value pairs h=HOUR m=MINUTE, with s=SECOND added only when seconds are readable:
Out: h=2 m=37
